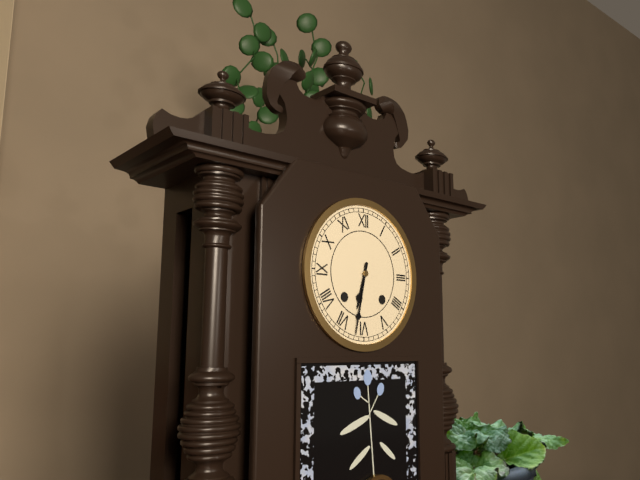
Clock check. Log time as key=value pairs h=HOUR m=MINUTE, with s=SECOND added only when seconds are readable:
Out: h=6 m=32
